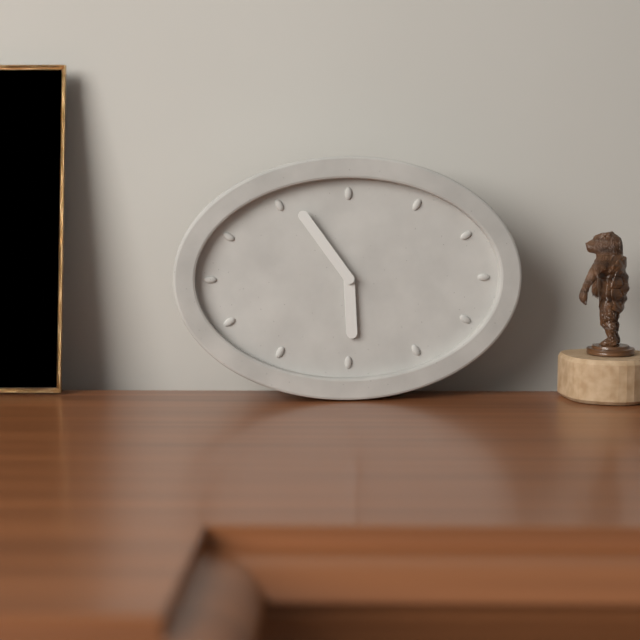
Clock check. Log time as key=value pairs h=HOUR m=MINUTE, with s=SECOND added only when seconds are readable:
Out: h=5 m=54
